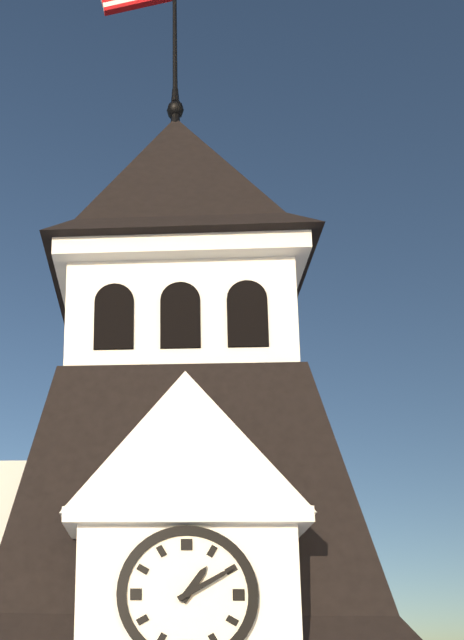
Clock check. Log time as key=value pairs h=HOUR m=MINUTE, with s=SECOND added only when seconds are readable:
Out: h=1 m=10
